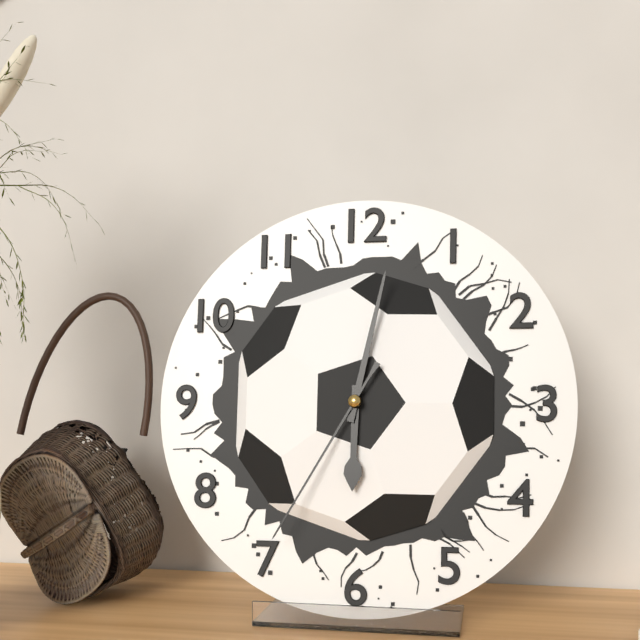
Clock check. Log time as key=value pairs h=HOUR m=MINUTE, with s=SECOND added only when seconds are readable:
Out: h=6 m=2 s=35
